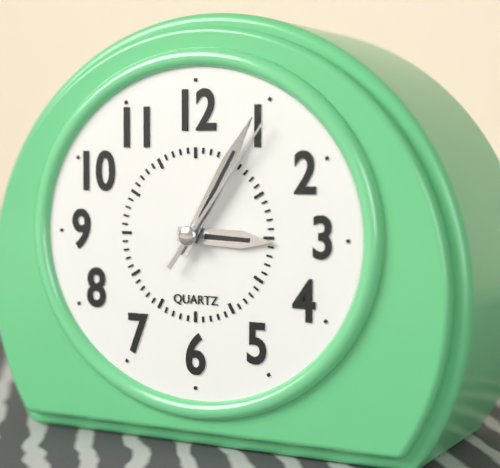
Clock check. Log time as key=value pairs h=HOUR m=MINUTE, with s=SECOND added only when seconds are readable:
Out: h=3 m=5 s=6
